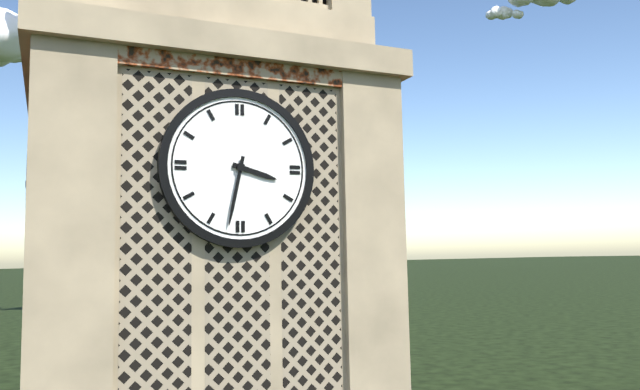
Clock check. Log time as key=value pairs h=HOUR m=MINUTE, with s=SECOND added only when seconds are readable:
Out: h=3 m=32
